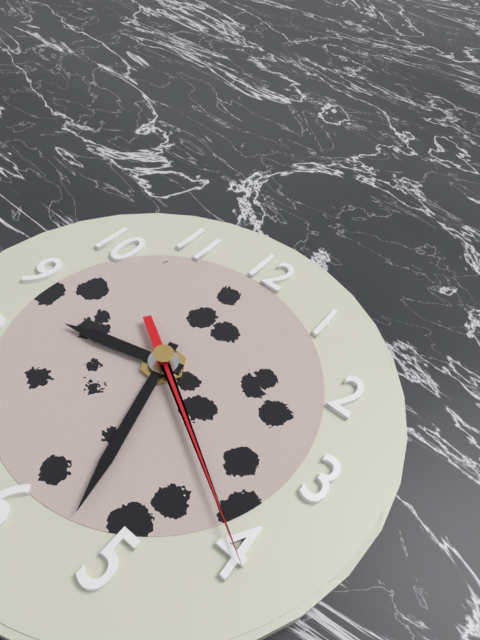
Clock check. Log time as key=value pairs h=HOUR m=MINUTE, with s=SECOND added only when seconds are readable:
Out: h=8 m=27 s=20
